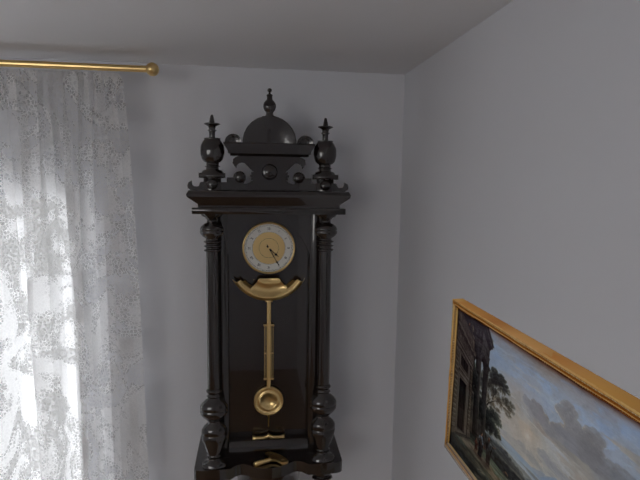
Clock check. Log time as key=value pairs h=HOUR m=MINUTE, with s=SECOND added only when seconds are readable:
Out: h=4 m=25
